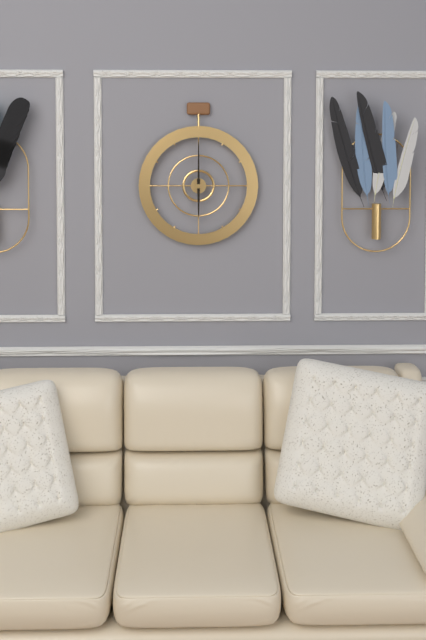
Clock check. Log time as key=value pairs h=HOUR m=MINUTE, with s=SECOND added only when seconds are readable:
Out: h=6 m=0
